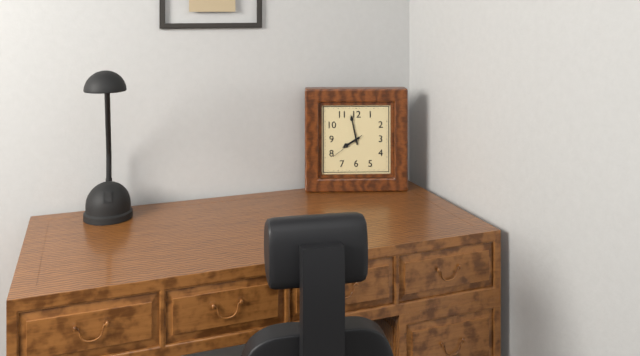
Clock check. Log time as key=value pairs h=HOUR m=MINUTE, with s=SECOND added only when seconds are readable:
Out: h=7 m=58
